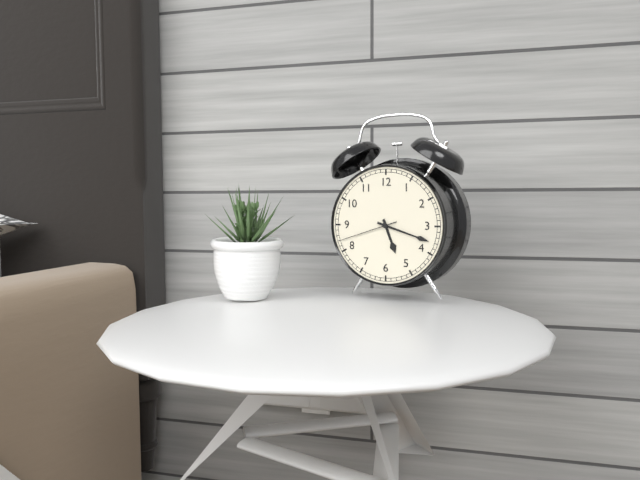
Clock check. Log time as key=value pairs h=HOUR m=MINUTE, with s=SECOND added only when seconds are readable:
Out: h=5 m=18 s=42
